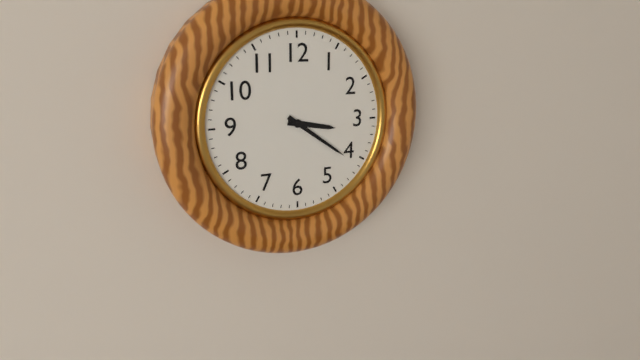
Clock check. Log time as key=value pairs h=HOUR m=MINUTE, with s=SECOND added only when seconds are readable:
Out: h=3 m=21
